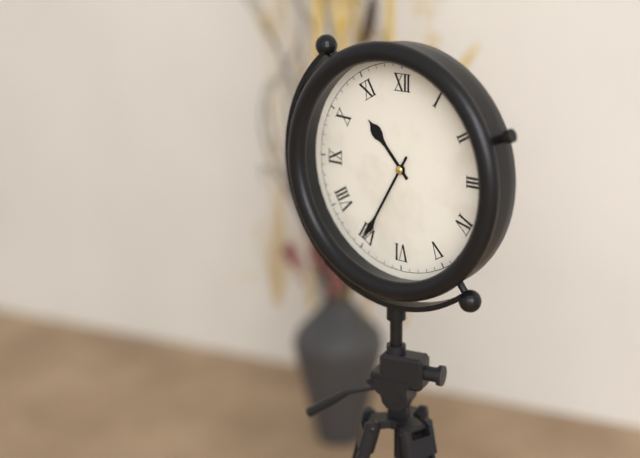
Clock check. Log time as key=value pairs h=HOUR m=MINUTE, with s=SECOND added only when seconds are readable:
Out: h=10 m=35
